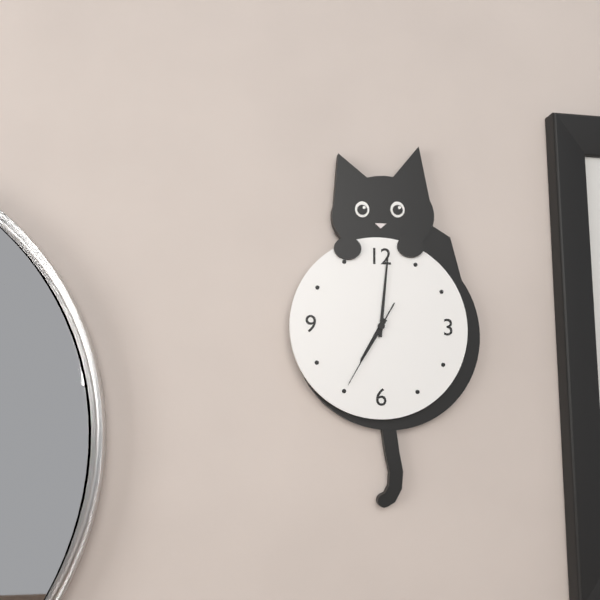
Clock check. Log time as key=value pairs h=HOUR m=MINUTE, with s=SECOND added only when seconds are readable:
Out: h=7 m=1 s=35
